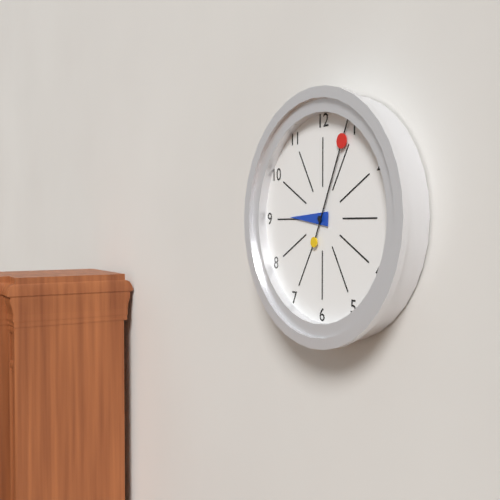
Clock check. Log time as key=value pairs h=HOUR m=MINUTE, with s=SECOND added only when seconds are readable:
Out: h=9 m=4
